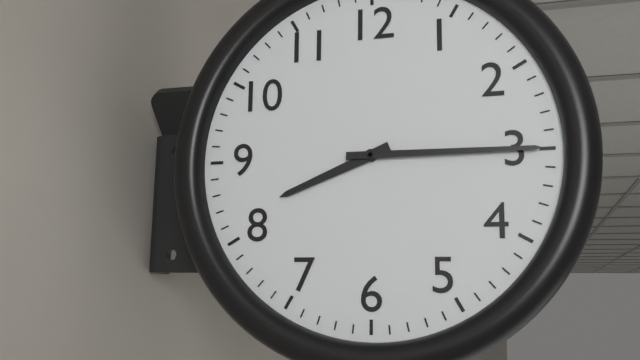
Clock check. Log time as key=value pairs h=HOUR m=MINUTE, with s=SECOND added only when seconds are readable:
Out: h=8 m=15
